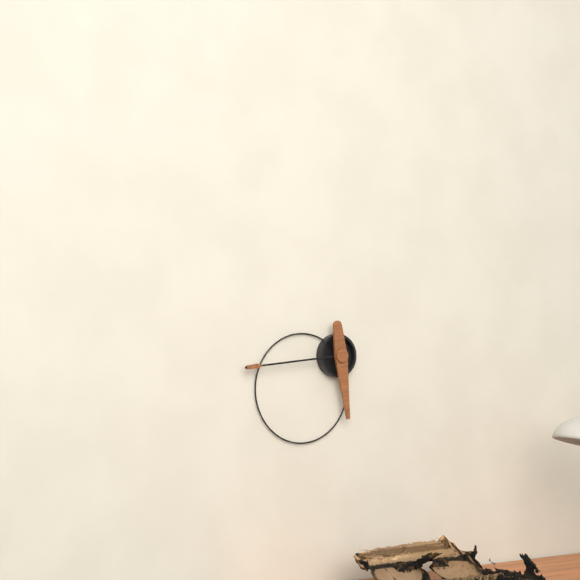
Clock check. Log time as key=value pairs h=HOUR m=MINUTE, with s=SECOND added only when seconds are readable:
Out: h=5 m=44
